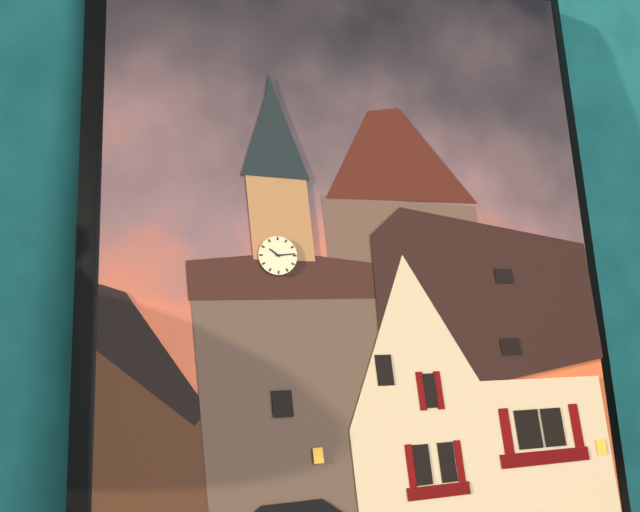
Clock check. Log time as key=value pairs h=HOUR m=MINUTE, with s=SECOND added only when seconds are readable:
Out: h=10 m=14
